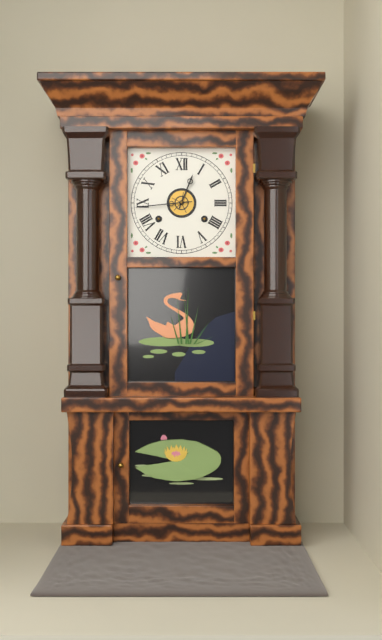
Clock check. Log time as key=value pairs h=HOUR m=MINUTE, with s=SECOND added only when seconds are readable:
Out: h=12 m=44
